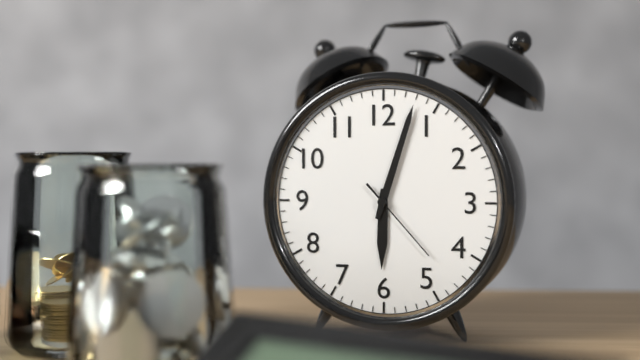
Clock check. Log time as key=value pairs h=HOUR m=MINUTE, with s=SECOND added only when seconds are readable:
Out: h=6 m=3 s=23
